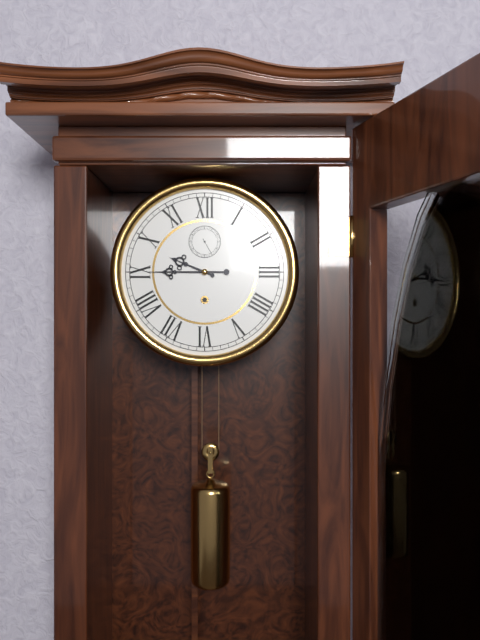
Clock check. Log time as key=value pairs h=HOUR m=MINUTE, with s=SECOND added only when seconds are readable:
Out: h=9 m=45
